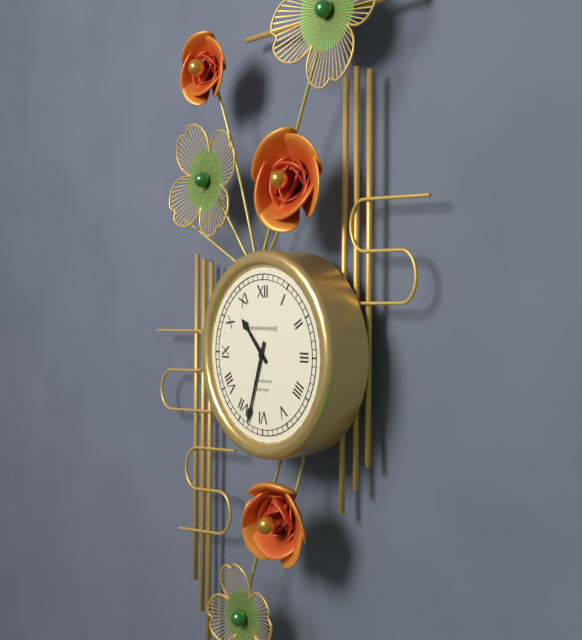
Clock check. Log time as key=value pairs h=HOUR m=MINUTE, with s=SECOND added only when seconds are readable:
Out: h=10 m=33
